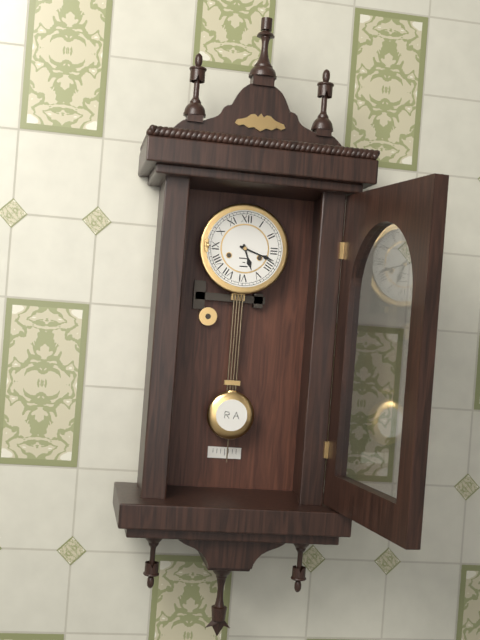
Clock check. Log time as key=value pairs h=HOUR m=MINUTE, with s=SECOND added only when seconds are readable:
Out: h=5 m=18
